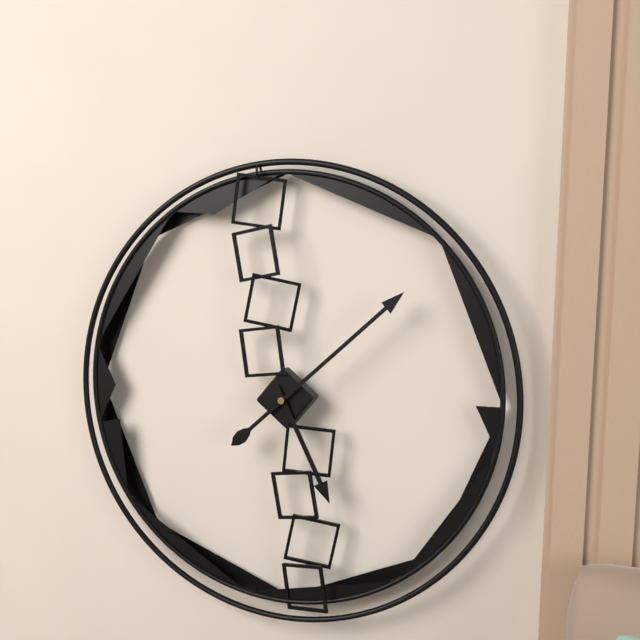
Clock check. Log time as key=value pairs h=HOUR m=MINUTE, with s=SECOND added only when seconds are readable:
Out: h=5 m=8
